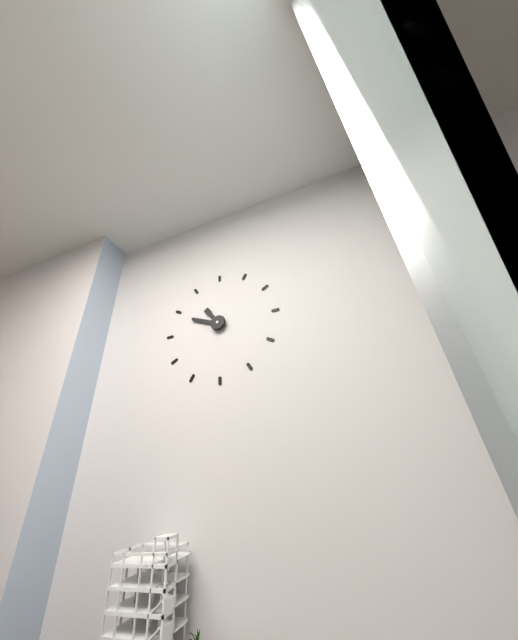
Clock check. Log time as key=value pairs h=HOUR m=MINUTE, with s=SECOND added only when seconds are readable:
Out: h=10 m=49
